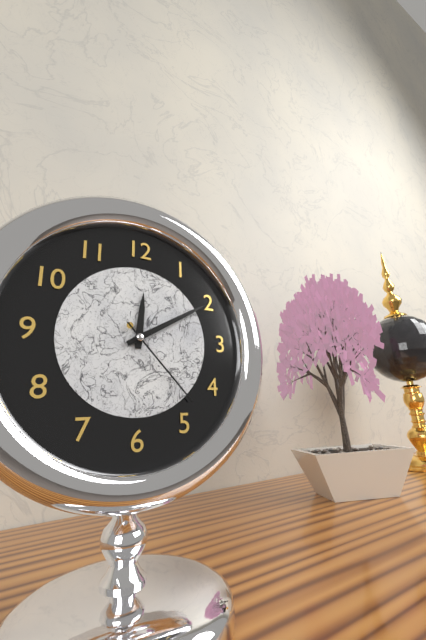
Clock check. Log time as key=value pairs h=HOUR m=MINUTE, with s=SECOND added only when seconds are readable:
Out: h=12 m=10 s=23
